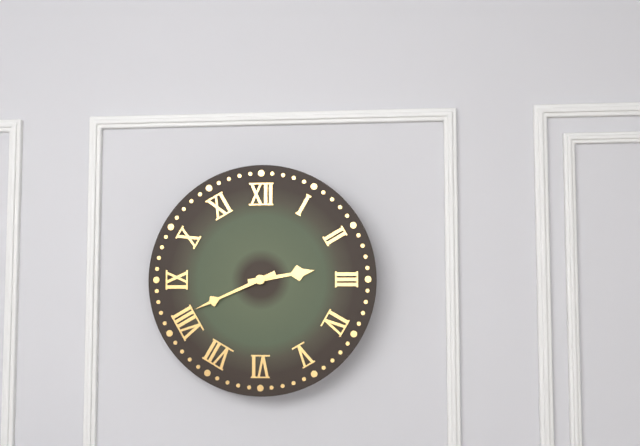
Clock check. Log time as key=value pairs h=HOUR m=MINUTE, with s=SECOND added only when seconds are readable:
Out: h=2 m=41
